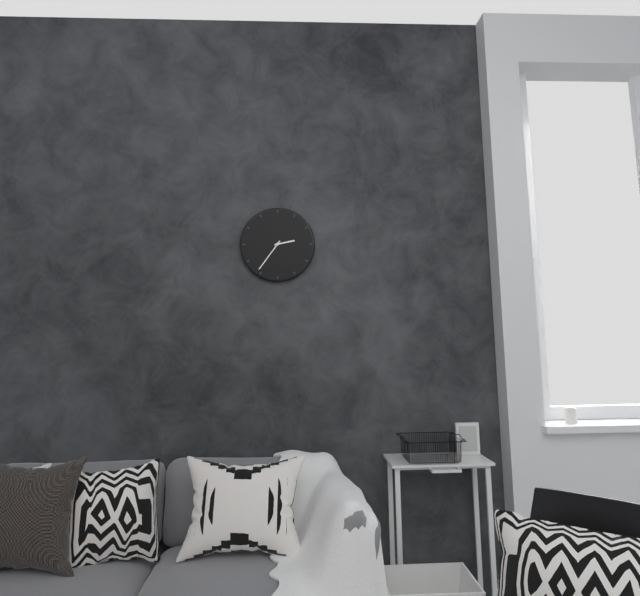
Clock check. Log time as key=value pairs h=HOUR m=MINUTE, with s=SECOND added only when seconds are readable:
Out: h=2 m=36
